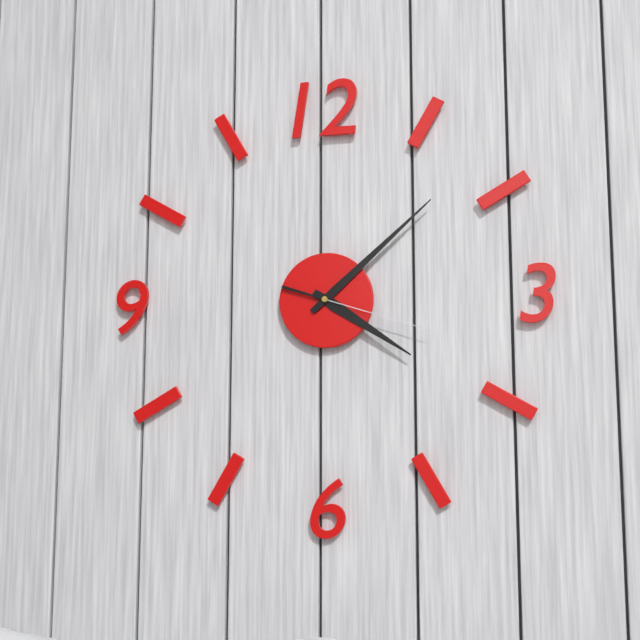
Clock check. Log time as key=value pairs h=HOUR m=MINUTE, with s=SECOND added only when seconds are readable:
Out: h=4 m=8 s=18
